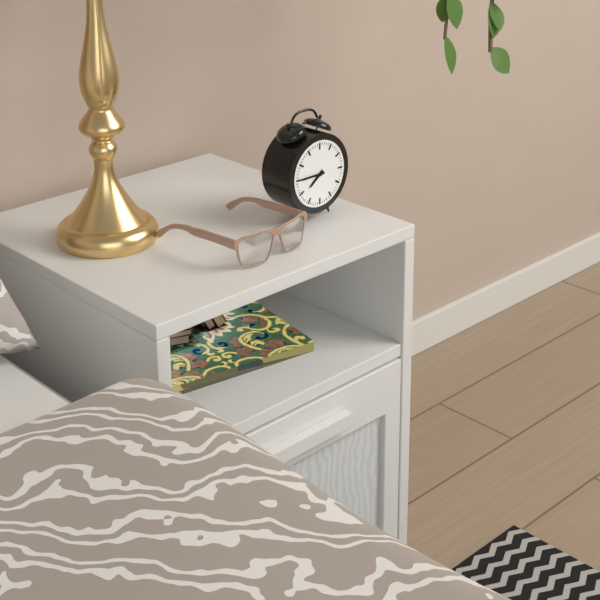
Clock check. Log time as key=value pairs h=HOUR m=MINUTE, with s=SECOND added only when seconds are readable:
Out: h=7 m=45
